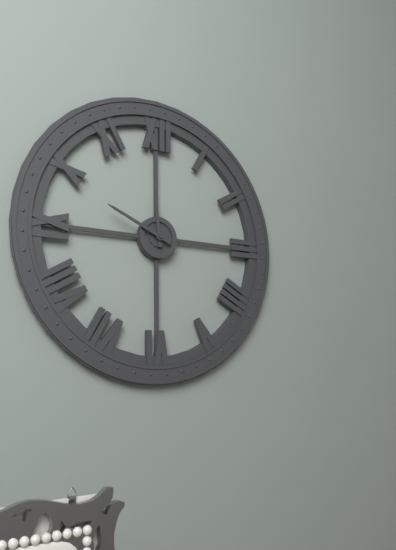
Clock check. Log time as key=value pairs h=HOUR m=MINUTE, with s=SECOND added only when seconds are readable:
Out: h=11 m=49
